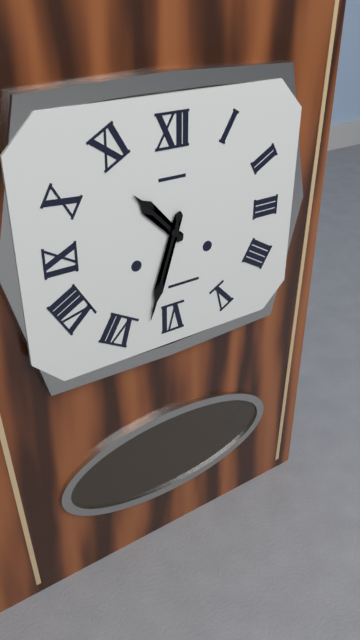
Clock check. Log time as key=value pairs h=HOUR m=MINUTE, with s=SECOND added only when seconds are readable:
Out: h=10 m=33
